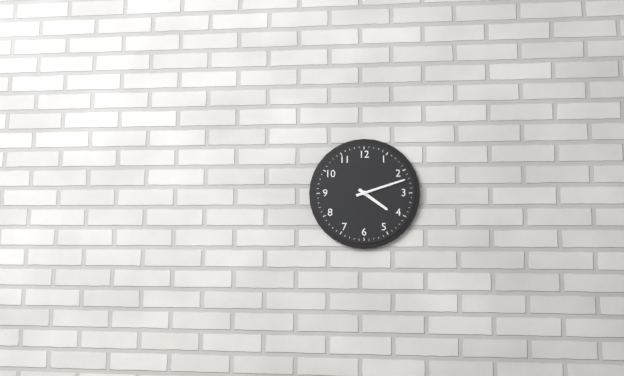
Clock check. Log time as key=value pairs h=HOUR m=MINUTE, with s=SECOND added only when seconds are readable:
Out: h=4 m=12
